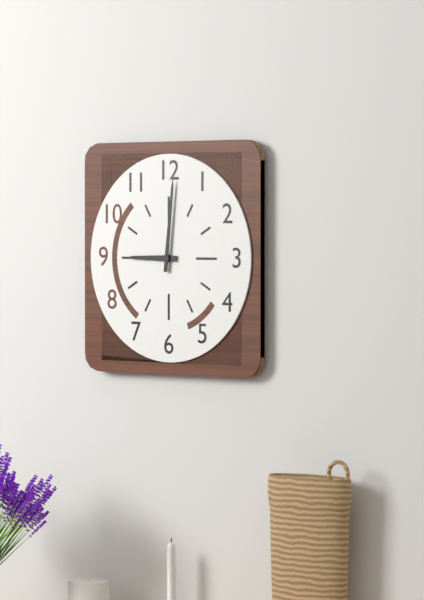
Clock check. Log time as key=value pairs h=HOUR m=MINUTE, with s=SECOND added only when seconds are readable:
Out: h=9 m=1
